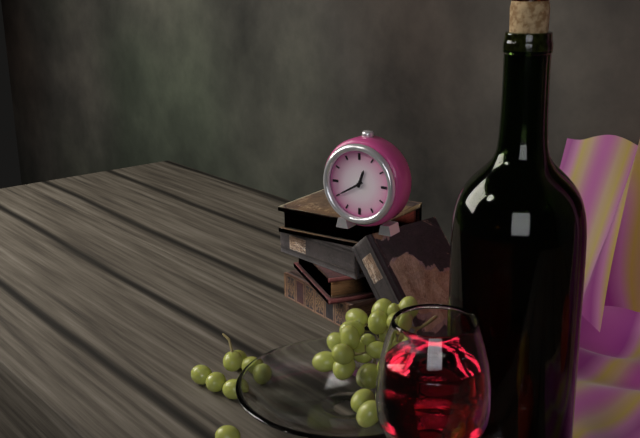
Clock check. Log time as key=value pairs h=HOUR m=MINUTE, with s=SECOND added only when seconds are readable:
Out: h=12 m=40
